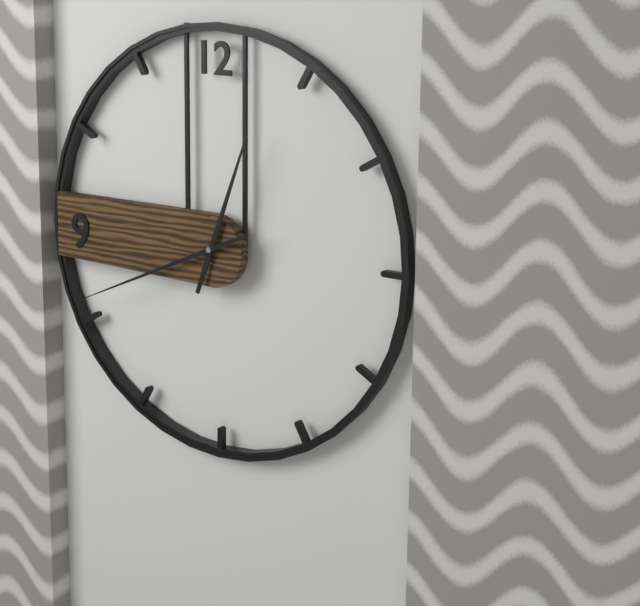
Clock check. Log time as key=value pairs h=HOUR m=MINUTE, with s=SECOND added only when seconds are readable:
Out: h=12 m=41
